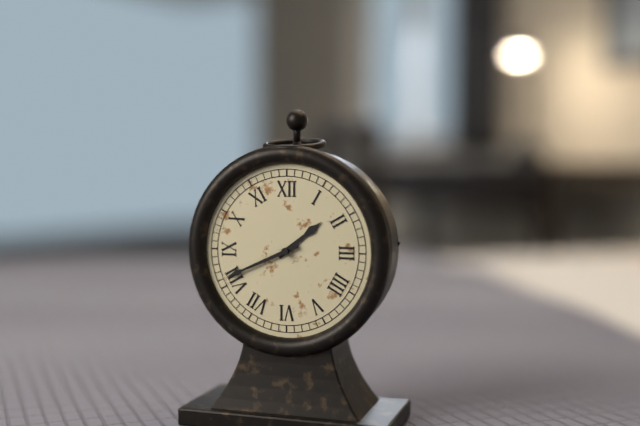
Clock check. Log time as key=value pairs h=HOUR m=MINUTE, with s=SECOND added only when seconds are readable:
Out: h=1 m=41
